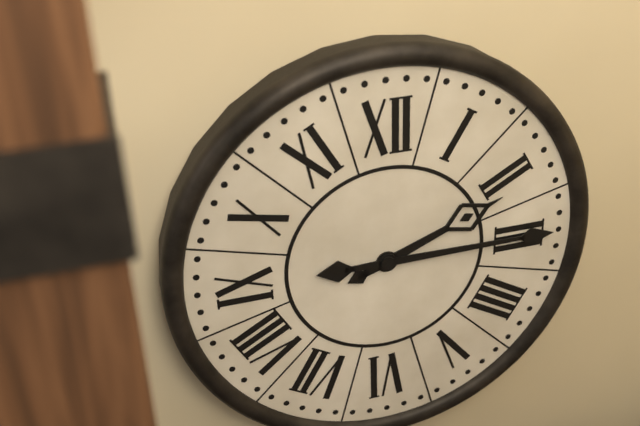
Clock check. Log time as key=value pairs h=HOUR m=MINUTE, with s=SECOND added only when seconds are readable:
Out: h=2 m=15
